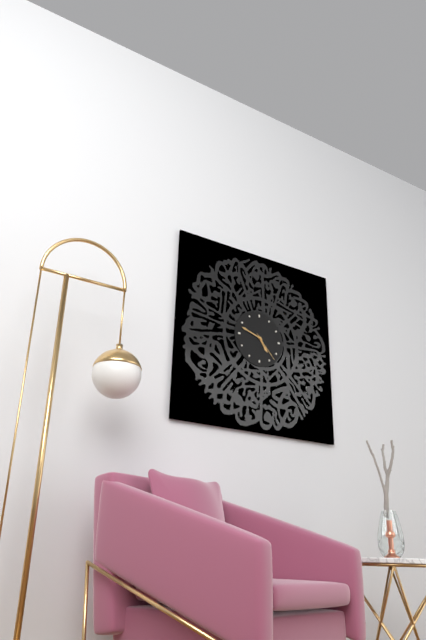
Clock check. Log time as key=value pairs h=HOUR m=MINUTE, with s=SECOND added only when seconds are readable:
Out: h=4 m=48
